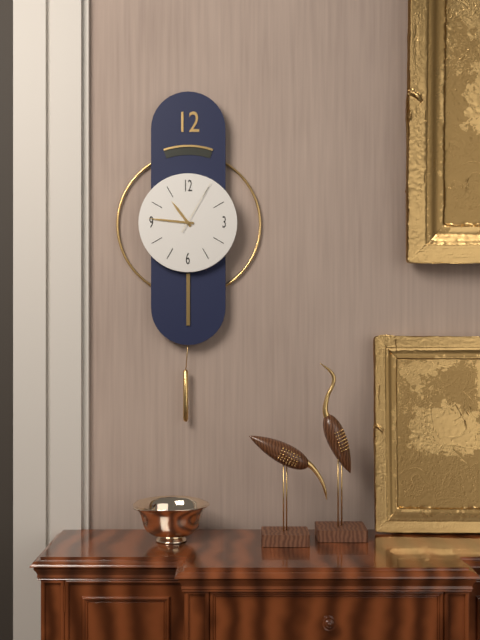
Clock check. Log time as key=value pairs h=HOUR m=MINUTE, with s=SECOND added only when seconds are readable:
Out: h=10 m=46 s=5
